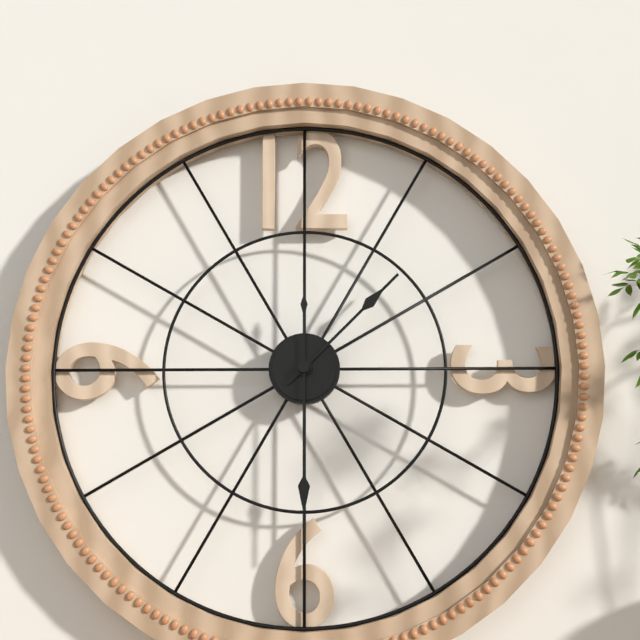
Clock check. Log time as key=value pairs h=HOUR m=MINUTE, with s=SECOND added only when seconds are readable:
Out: h=1 m=30
